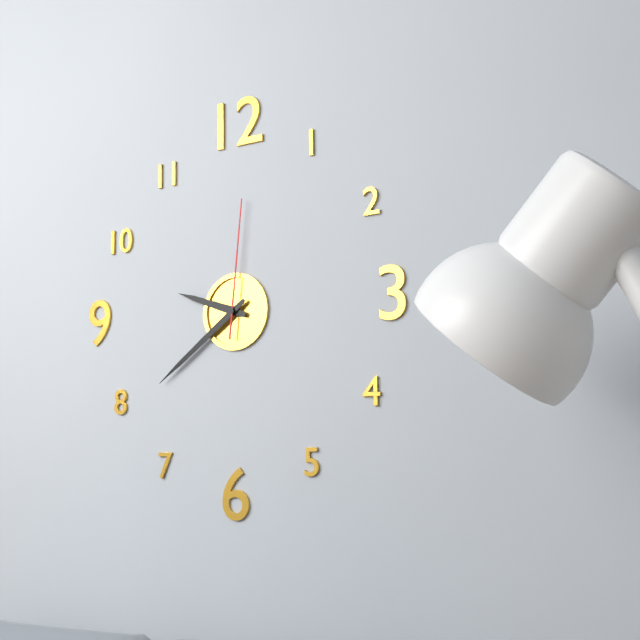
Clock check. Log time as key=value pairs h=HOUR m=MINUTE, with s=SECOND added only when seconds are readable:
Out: h=9 m=39 s=1
